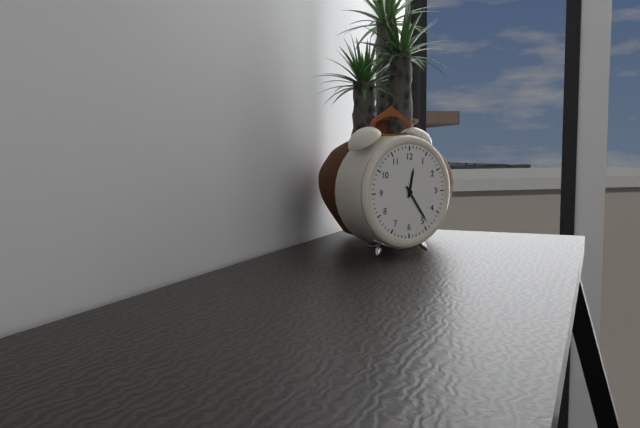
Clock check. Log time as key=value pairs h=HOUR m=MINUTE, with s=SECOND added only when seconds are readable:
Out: h=12 m=24
